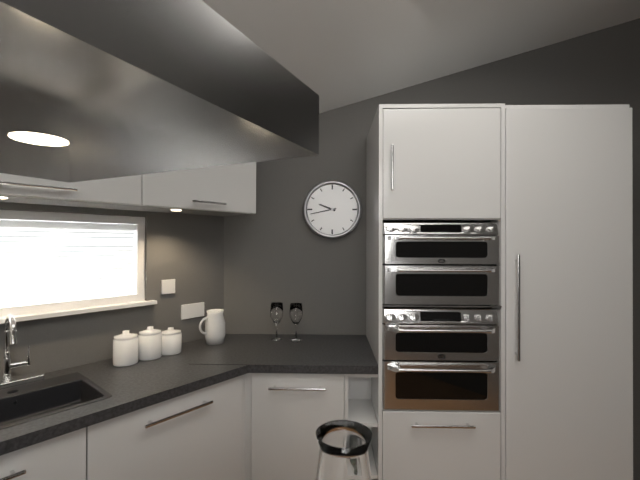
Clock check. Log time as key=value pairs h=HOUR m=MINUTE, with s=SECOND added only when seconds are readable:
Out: h=9 m=43
